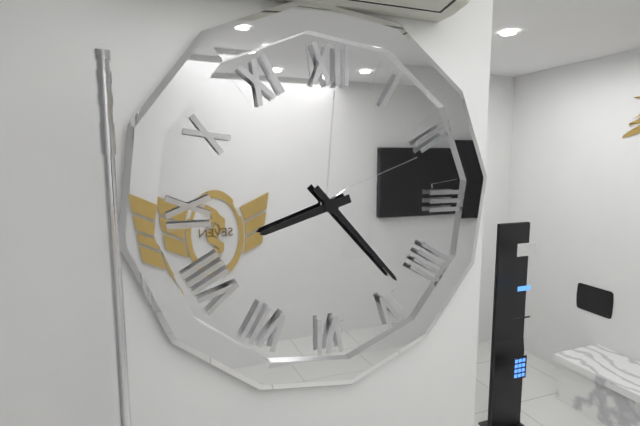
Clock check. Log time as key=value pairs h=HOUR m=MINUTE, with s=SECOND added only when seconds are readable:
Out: h=8 m=23
